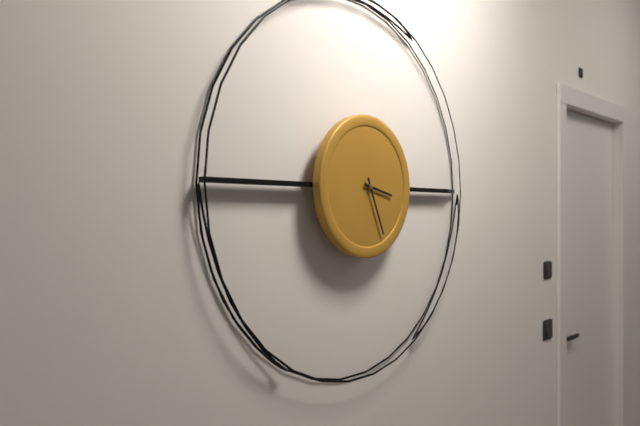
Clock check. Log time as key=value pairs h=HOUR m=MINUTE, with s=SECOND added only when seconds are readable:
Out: h=3 m=26
